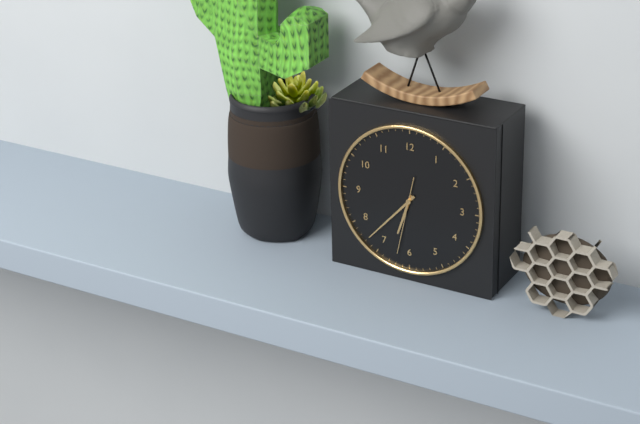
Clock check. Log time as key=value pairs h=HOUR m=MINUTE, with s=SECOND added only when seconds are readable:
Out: h=6 m=37 s=32
